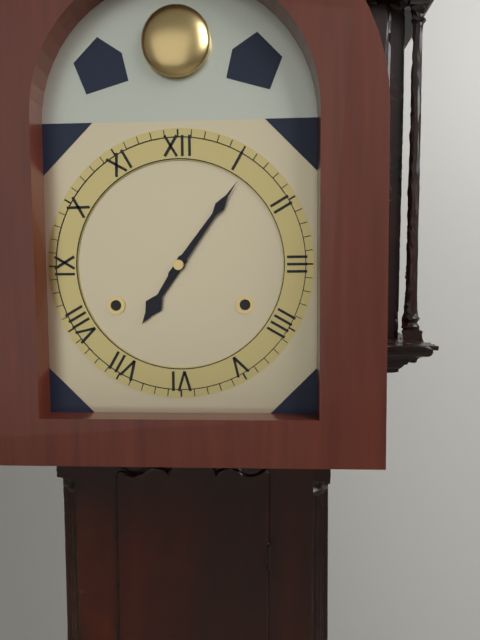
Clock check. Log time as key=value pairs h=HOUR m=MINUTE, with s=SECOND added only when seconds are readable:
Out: h=7 m=6
